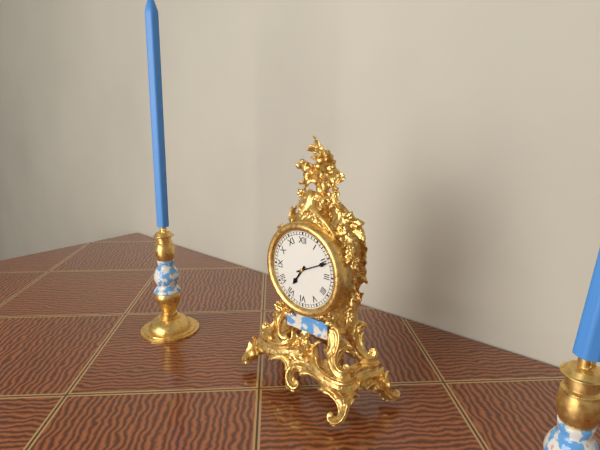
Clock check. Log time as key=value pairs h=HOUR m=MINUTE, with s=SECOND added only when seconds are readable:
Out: h=7 m=11
